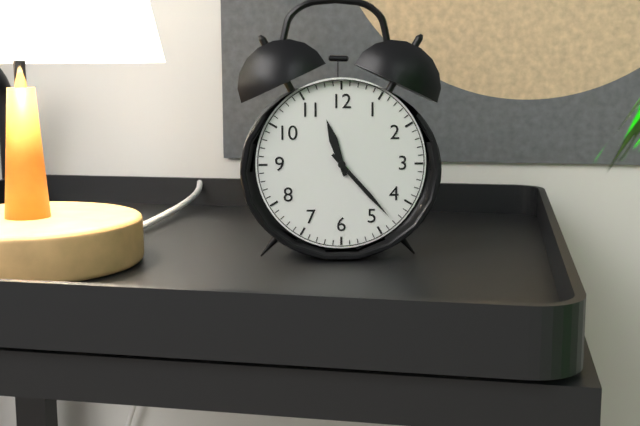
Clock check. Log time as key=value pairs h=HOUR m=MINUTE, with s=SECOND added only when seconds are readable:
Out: h=11 m=23
